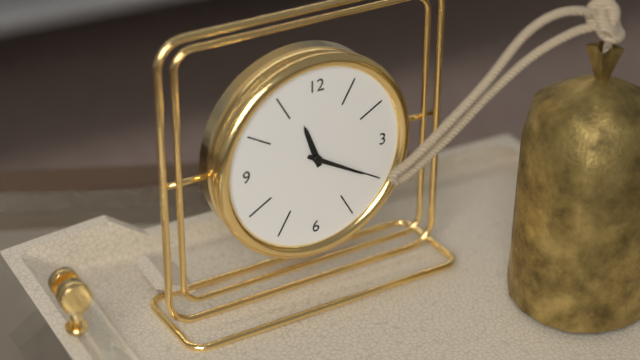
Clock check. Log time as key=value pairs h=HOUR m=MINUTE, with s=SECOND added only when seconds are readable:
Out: h=11 m=20
